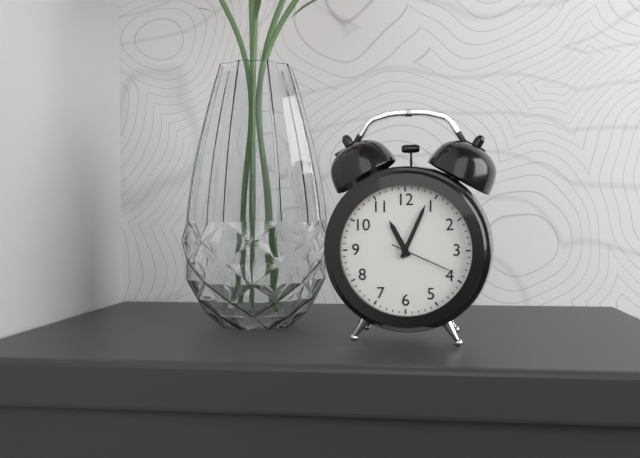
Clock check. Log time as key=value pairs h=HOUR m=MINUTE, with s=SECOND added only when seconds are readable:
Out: h=11 m=4 s=19
